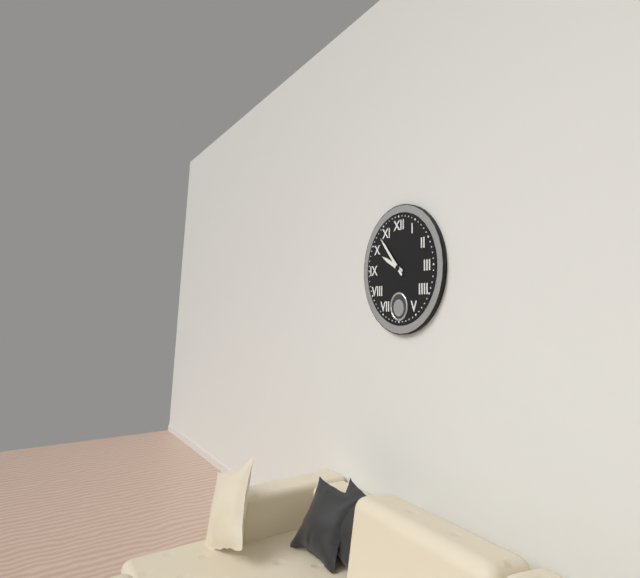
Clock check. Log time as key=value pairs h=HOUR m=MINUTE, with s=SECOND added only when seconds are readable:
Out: h=9 m=53
